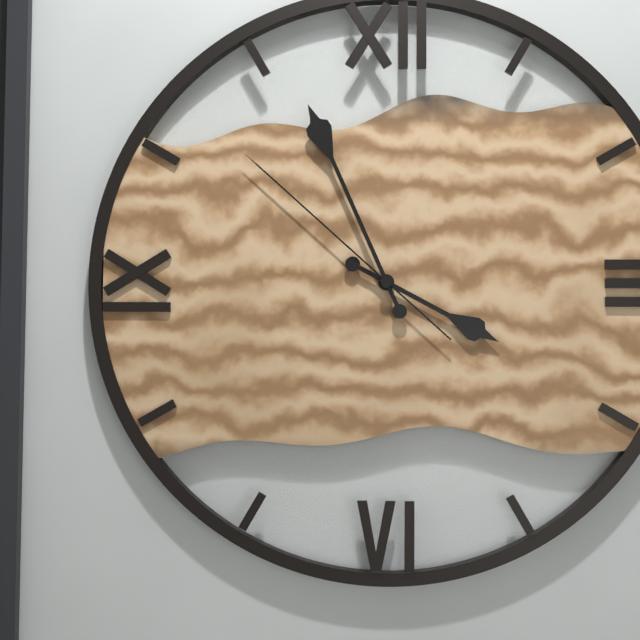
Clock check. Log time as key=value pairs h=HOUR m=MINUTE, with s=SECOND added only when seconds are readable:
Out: h=3 m=56 s=52
